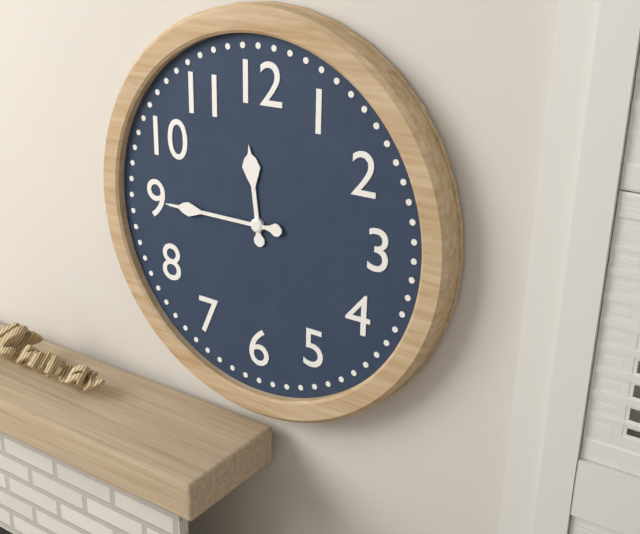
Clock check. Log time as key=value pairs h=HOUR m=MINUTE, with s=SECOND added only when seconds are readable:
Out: h=11 m=45
